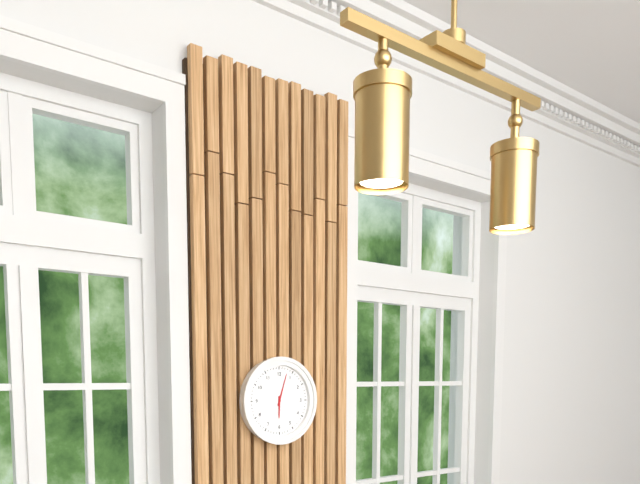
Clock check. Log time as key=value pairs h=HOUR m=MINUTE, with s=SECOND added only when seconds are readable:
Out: h=6 m=3
